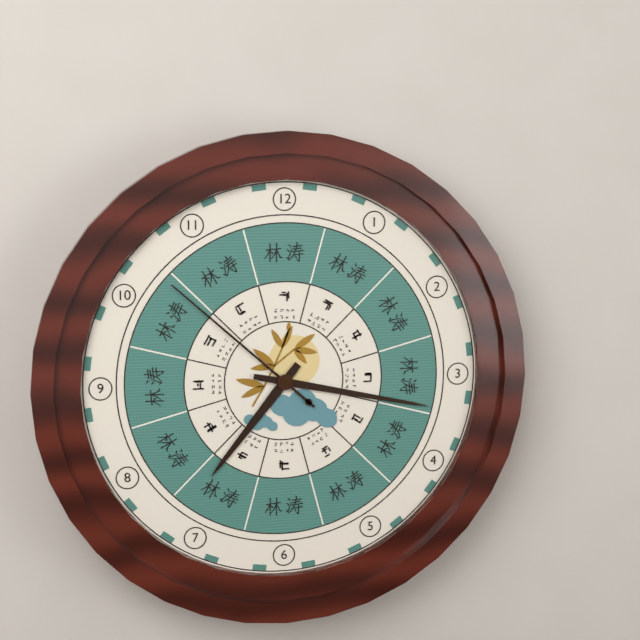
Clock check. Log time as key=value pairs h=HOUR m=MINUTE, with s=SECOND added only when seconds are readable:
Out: h=7 m=17 s=52
